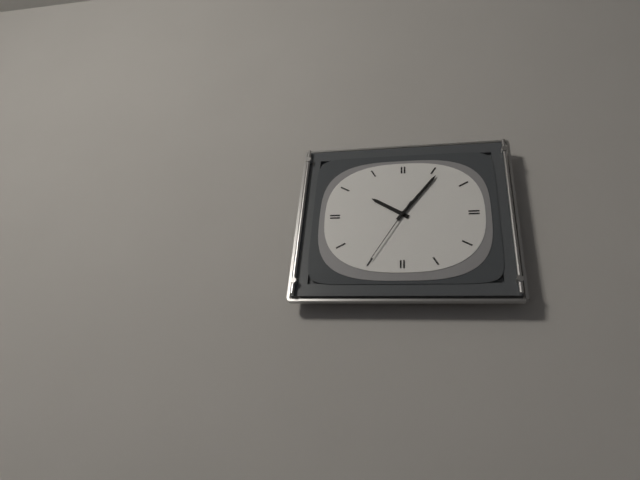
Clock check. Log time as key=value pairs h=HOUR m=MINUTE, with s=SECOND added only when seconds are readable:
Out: h=10 m=6 s=35
